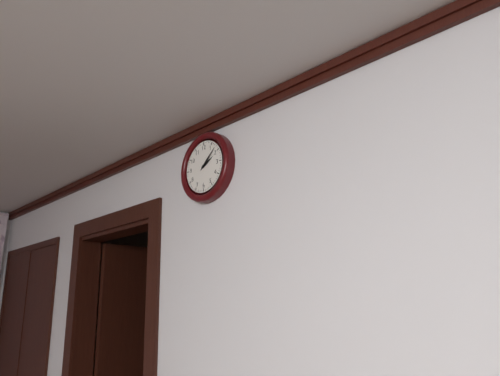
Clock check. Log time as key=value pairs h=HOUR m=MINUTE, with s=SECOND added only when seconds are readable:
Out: h=2 m=8
